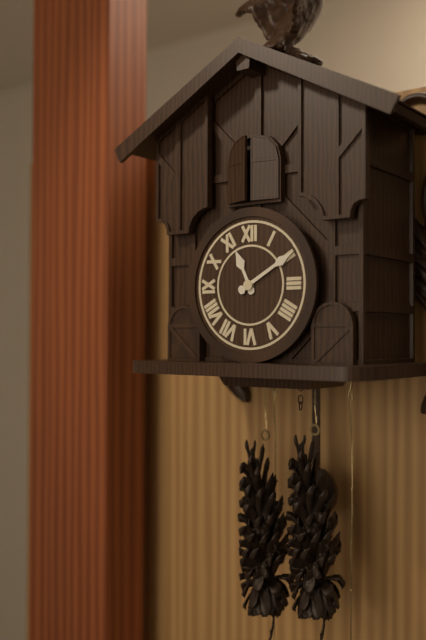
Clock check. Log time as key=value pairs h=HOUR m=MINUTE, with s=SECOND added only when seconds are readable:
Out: h=11 m=10
